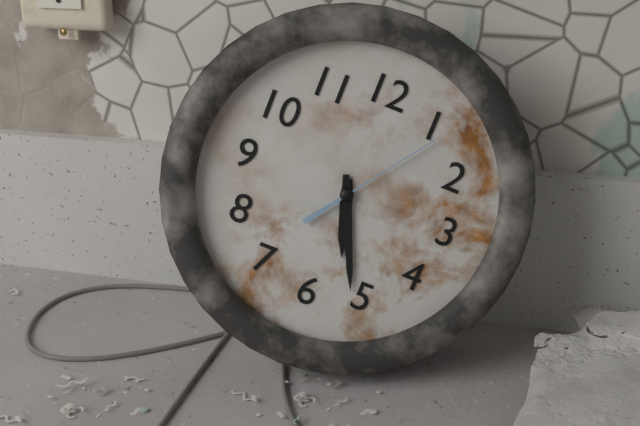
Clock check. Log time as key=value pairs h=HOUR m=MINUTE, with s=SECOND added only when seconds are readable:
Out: h=5 m=26 s=6
